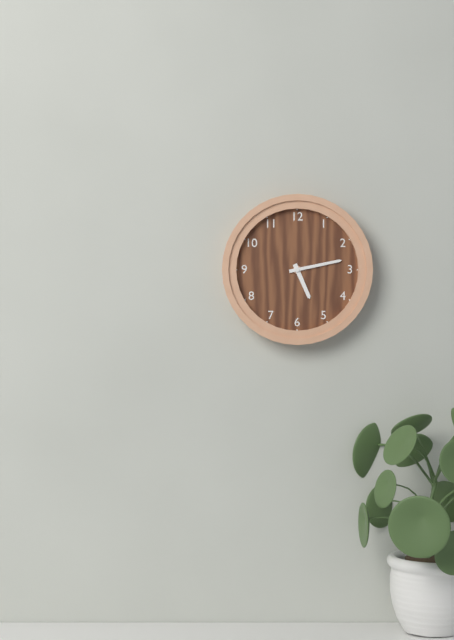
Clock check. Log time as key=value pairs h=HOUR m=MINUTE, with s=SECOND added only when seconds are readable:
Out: h=5 m=13
